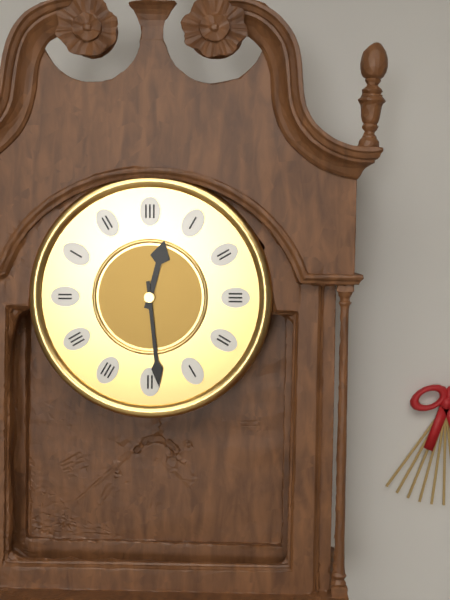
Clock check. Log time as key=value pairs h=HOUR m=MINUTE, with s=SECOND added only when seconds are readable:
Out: h=12 m=29
